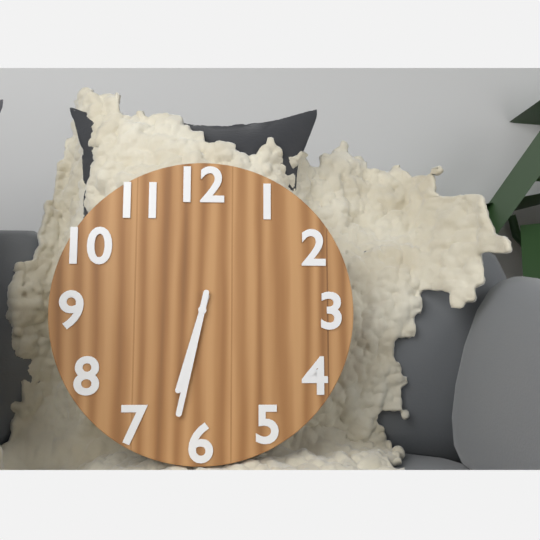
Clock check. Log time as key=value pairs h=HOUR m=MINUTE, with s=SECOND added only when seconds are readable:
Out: h=6 m=32
